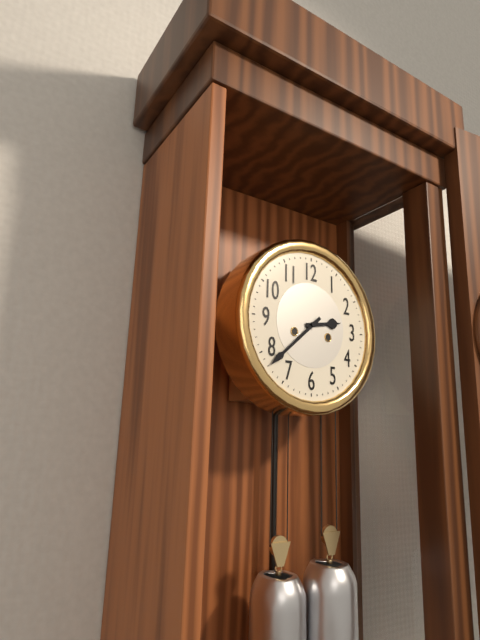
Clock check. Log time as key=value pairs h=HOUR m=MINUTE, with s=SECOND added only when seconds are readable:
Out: h=2 m=38
